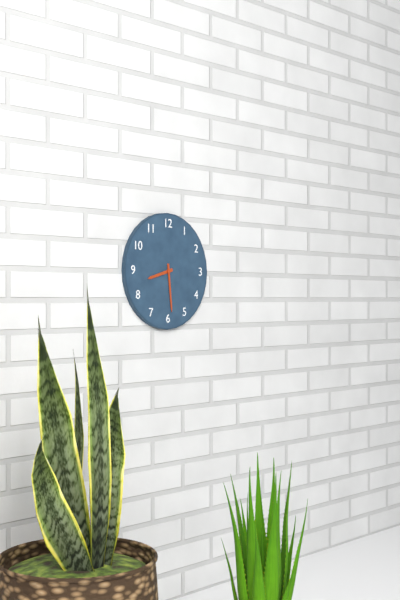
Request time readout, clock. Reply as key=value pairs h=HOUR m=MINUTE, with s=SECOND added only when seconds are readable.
h=8 m=29
